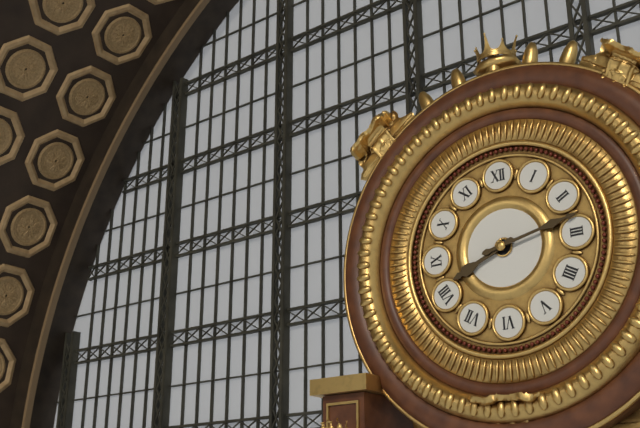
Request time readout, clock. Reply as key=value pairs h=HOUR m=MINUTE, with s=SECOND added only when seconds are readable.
h=8 m=13
